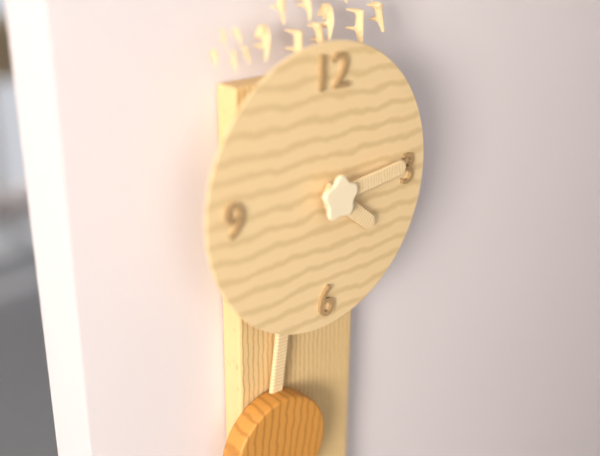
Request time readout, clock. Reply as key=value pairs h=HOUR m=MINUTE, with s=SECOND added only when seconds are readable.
h=4 m=14
